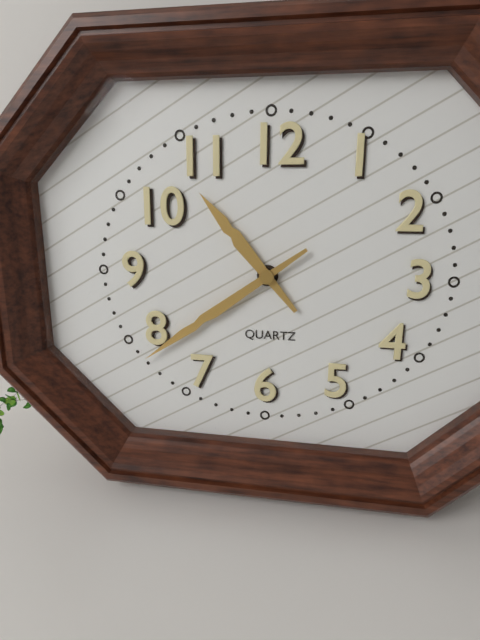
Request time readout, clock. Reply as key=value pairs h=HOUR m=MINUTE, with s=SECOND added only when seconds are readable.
h=10 m=39
